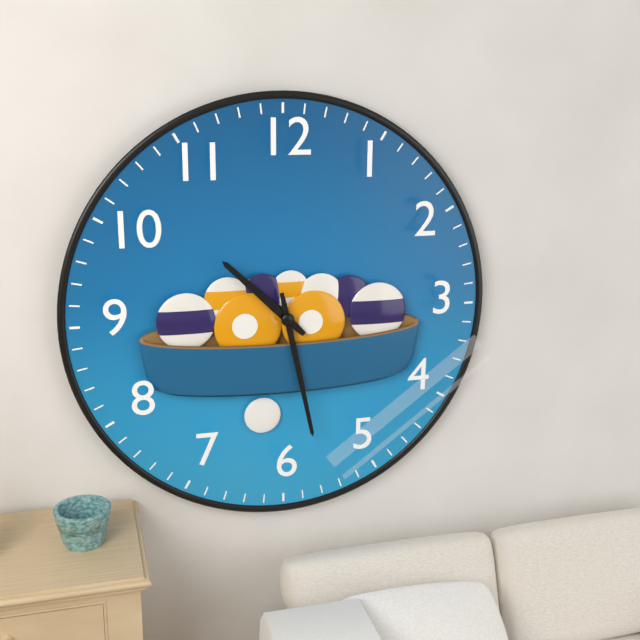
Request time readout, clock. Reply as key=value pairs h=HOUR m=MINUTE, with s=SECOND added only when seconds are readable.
h=10 m=28
